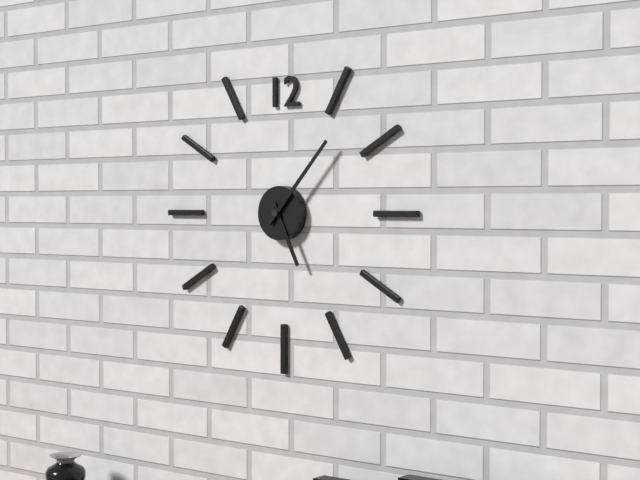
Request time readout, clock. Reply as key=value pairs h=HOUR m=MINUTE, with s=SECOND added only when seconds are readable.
h=5 m=7
